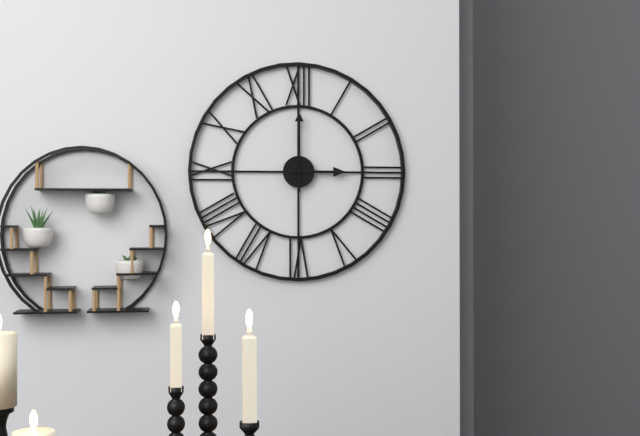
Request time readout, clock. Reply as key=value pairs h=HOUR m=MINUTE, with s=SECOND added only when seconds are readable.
h=3 m=0
